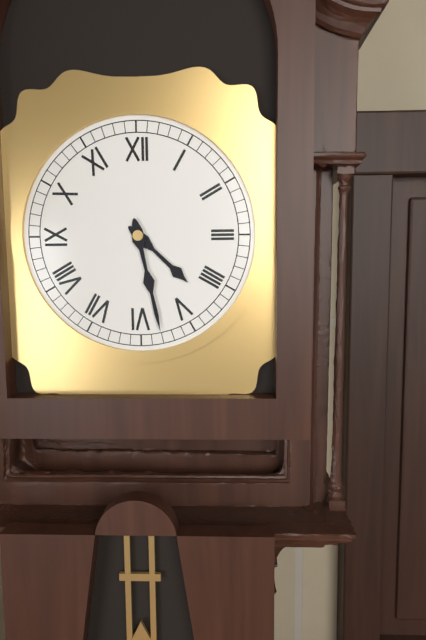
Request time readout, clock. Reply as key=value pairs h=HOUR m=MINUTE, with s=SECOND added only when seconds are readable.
h=4 m=28
